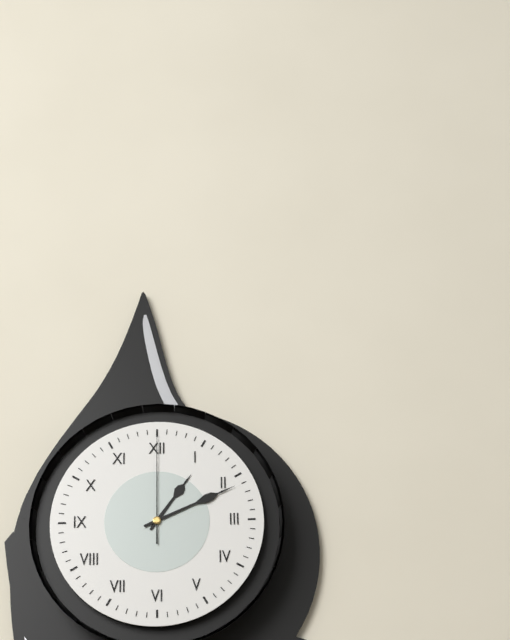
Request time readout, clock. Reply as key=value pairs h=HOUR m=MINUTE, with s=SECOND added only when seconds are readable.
h=1 m=11 s=0
